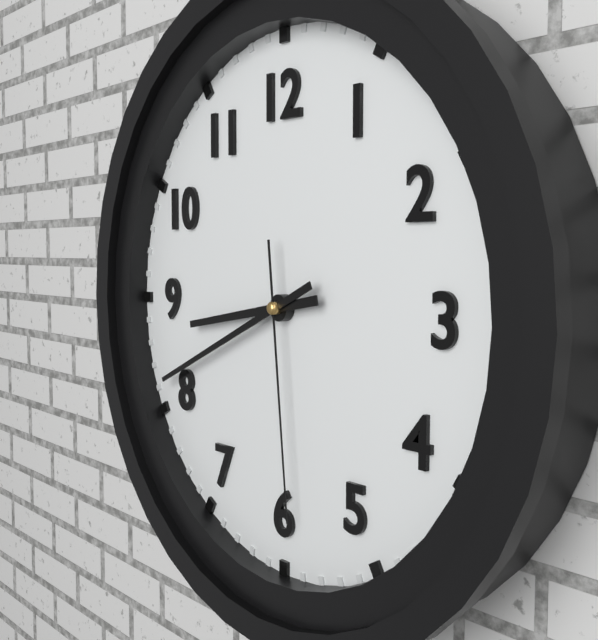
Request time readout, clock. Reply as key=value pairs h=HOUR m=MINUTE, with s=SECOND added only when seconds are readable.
h=8 m=41 s=29
